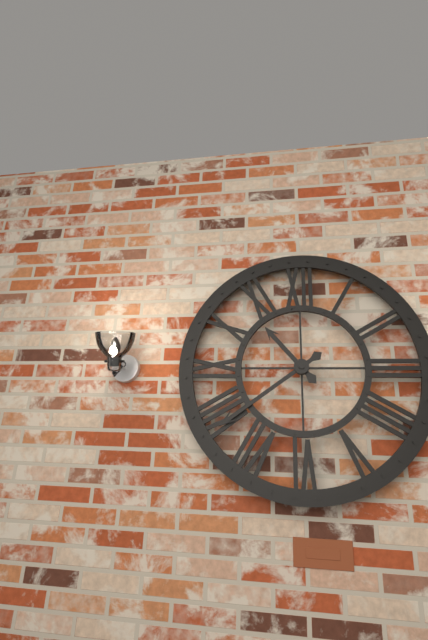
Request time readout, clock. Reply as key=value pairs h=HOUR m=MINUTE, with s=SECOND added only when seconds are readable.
h=10 m=39
